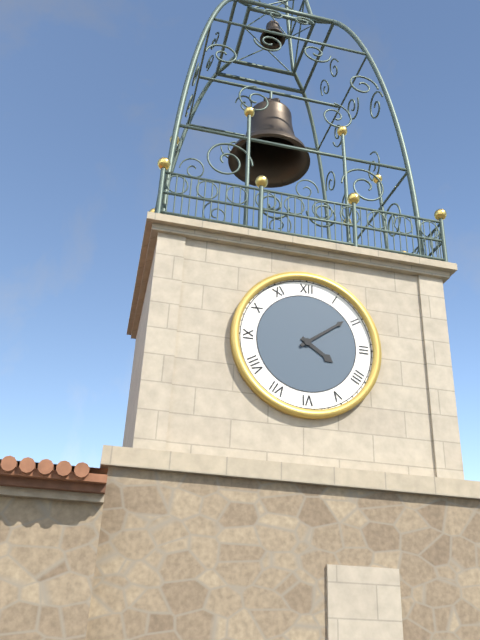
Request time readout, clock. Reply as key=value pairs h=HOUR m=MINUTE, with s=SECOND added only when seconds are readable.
h=4 m=9
